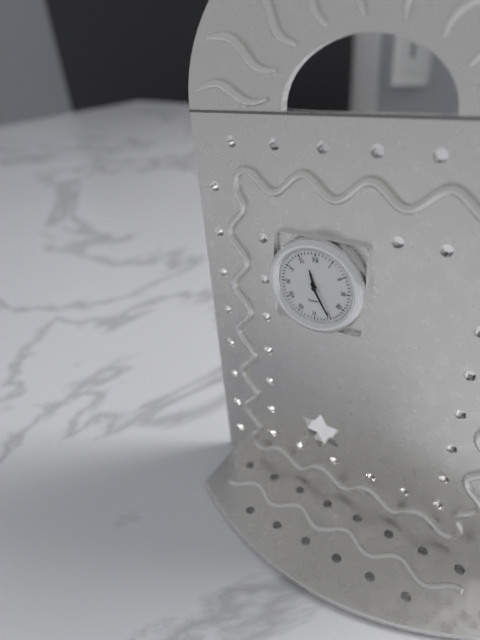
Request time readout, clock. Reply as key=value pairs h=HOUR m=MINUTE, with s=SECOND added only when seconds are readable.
h=11 m=25
